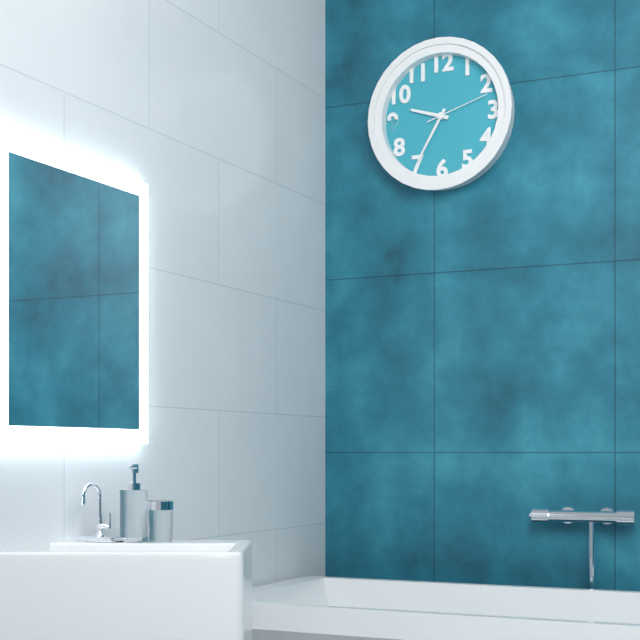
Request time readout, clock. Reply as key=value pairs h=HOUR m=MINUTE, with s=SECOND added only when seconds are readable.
h=9 m=35 s=12
